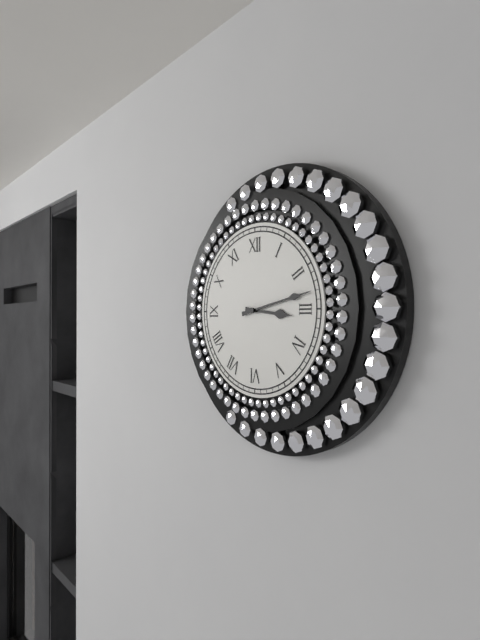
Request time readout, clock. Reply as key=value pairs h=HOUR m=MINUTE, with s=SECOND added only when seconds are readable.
h=3 m=13
